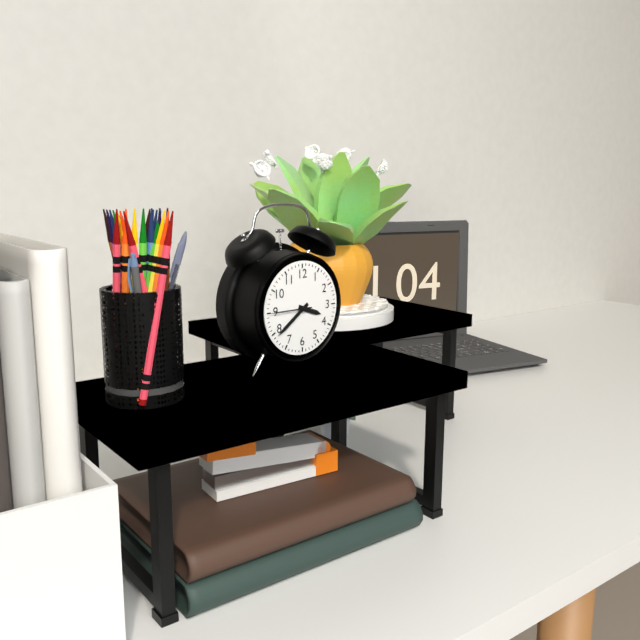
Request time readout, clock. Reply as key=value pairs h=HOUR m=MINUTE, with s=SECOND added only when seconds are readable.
h=3 m=39
